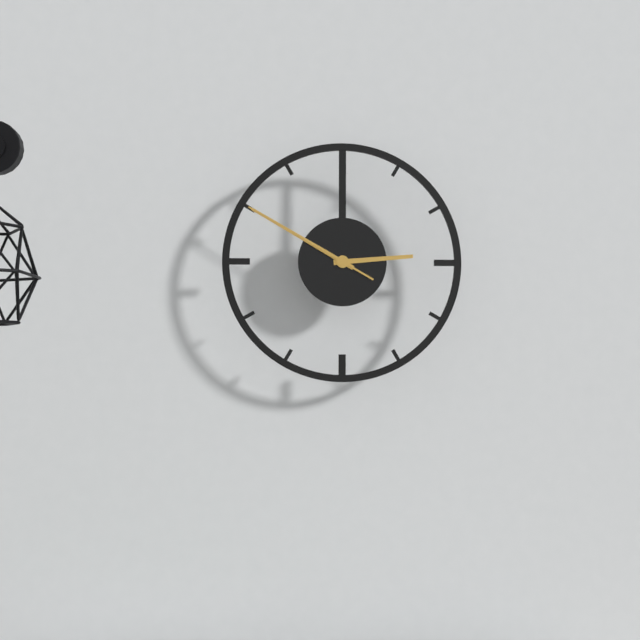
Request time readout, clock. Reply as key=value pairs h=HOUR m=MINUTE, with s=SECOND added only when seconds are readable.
h=2 m=50 s=50
